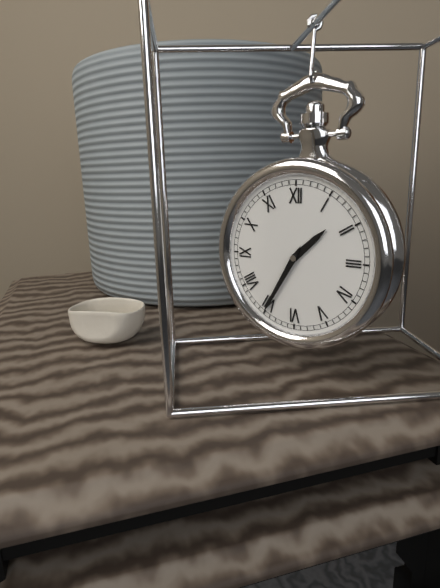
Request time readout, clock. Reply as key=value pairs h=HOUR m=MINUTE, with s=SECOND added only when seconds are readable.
h=1 m=35
